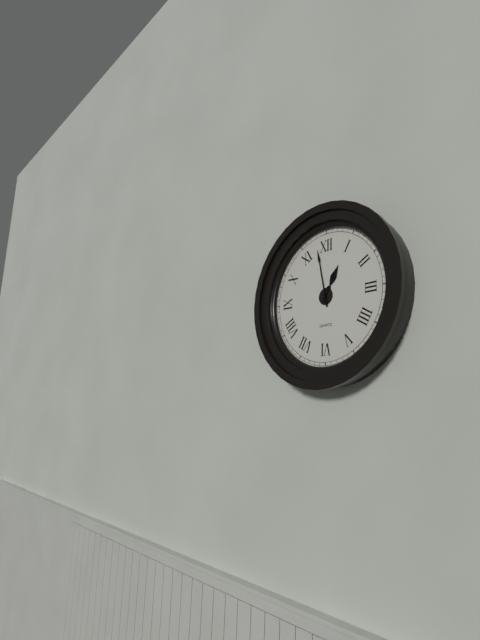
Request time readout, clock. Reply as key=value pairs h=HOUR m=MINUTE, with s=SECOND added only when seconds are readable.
h=12 m=58
